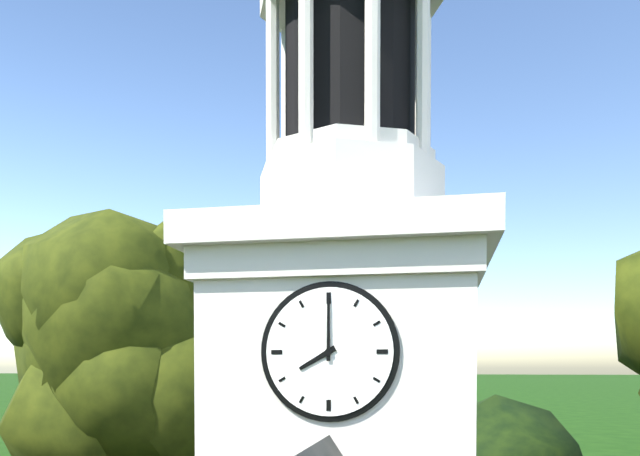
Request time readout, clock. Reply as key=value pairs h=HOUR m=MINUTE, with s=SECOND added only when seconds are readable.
h=8 m=0
